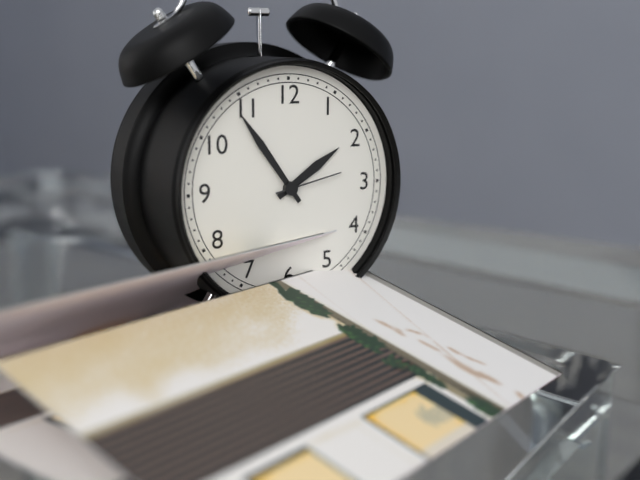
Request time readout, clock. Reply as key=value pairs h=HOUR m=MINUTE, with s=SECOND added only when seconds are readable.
h=1 m=54 s=13
